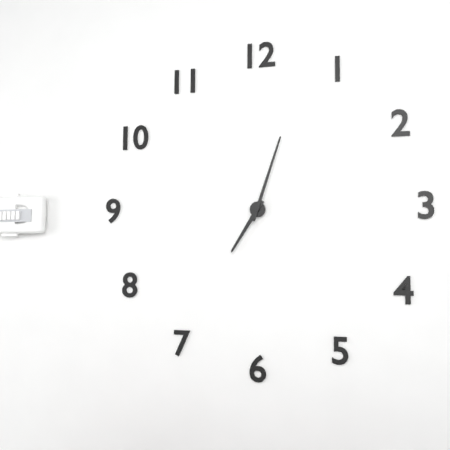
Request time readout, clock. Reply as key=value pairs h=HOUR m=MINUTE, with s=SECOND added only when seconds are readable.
h=7 m=3
